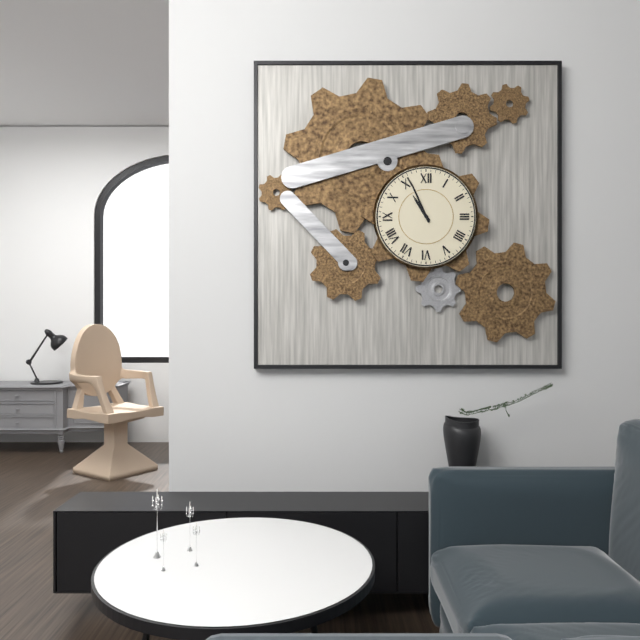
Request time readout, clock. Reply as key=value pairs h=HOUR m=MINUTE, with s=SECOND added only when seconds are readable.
h=10 m=56
